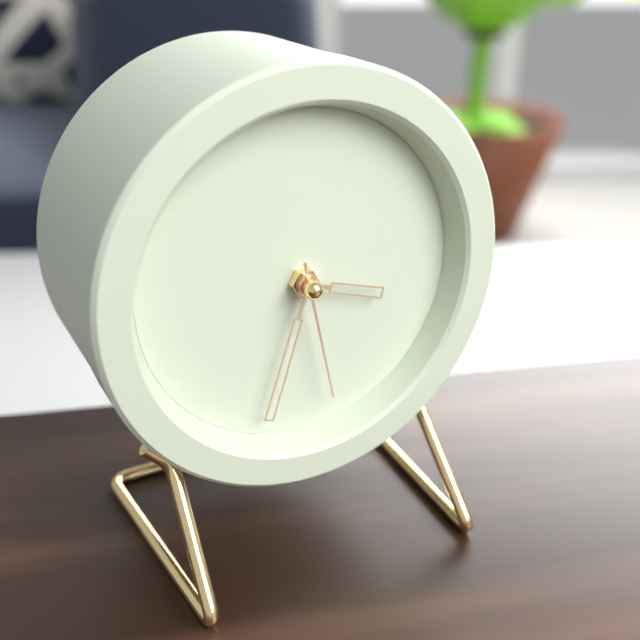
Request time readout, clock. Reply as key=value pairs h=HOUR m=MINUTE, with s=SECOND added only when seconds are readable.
h=3 m=33 s=28
